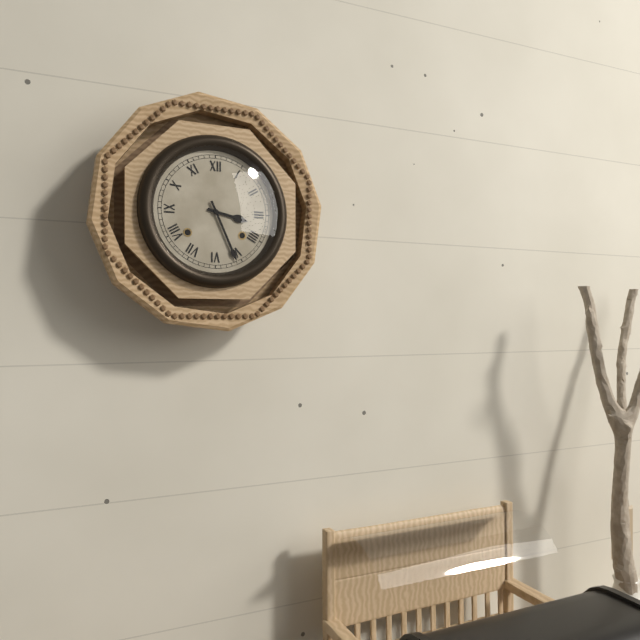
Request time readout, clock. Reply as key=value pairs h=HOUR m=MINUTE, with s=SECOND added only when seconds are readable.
h=3 m=26
